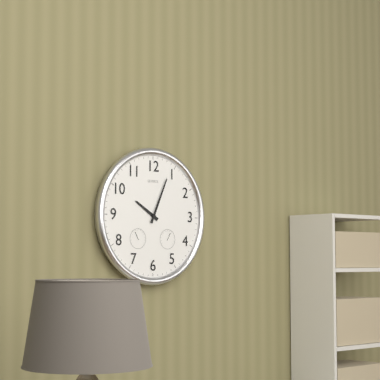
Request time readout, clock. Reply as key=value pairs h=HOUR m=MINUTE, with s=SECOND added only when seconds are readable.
h=10 m=4
